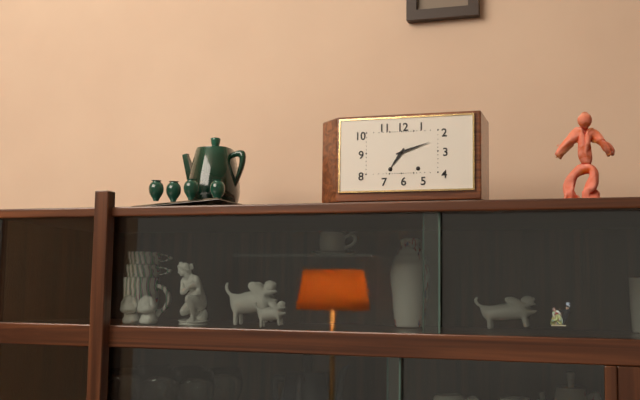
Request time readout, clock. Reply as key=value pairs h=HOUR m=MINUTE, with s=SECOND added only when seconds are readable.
h=7 m=12
